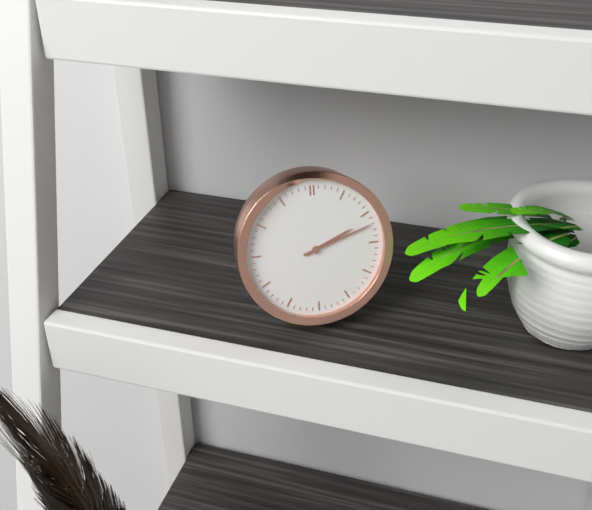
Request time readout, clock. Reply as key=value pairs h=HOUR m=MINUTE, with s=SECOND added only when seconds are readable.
h=2 m=12
